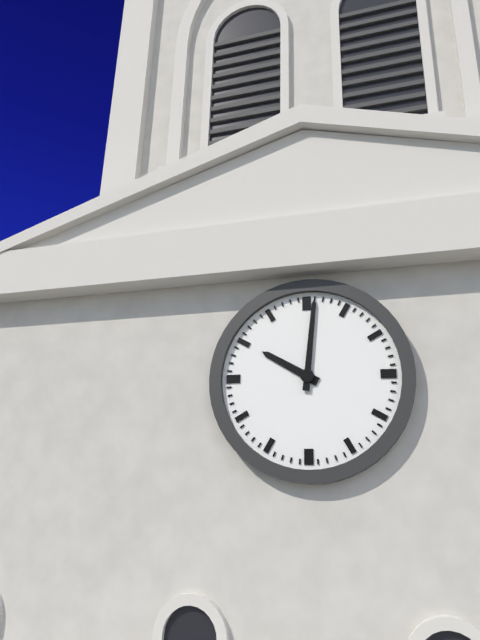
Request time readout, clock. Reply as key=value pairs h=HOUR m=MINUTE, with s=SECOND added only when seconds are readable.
h=10 m=1
